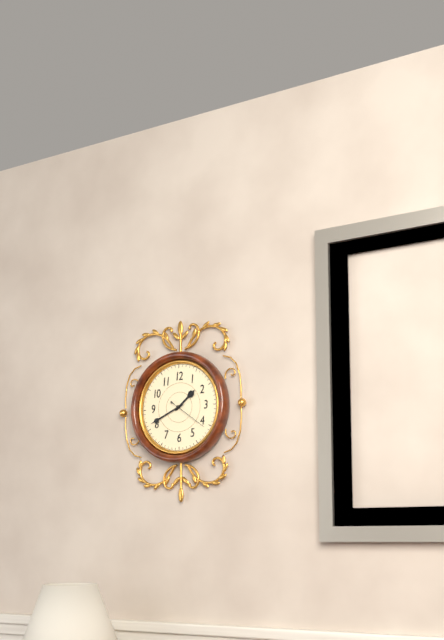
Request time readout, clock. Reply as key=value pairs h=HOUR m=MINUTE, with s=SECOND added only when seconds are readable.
h=1 m=41
